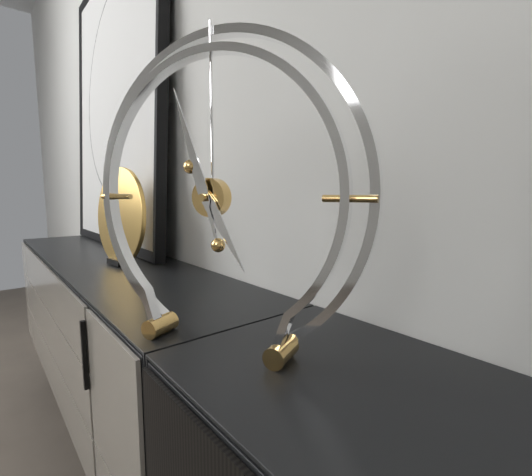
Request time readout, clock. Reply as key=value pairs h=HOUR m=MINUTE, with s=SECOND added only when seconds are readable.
h=4 m=57
